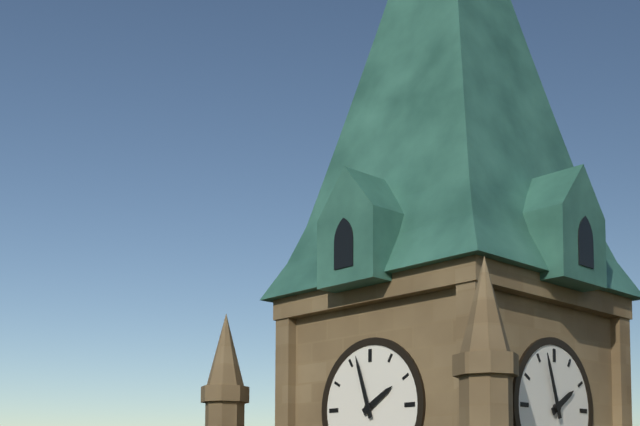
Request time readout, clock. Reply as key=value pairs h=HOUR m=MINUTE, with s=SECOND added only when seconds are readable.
h=1 m=57
